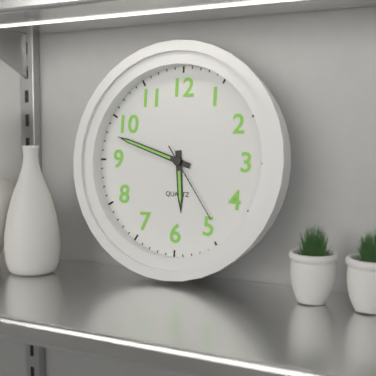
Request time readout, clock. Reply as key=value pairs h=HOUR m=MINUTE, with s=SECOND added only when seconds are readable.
h=5 m=48 s=24
